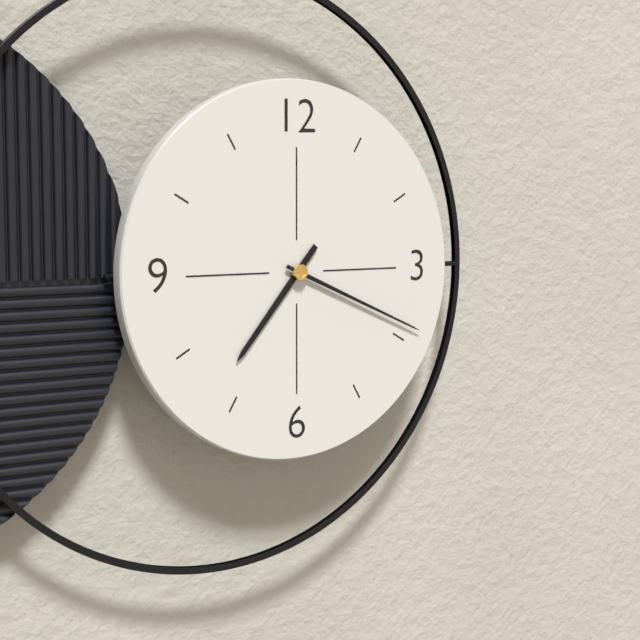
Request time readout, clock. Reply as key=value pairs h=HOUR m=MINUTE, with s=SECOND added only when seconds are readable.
h=7 m=19
